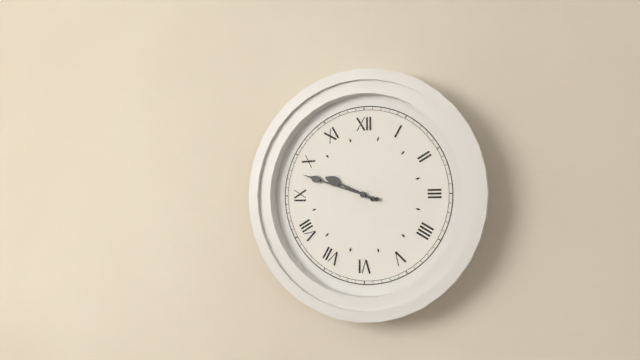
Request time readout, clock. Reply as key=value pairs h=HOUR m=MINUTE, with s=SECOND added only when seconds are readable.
h=9 m=48
